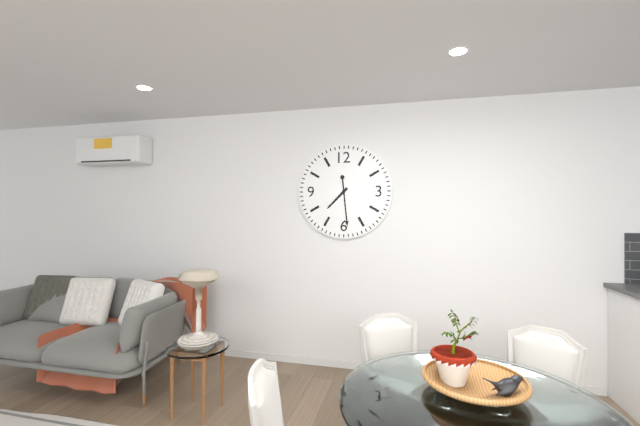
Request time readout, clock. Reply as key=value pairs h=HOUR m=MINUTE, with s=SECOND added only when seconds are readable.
h=7 m=29
